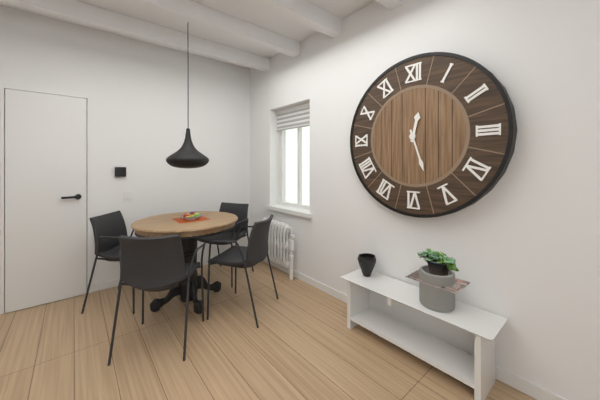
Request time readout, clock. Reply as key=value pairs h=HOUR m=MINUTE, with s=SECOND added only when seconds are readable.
h=12 m=27
